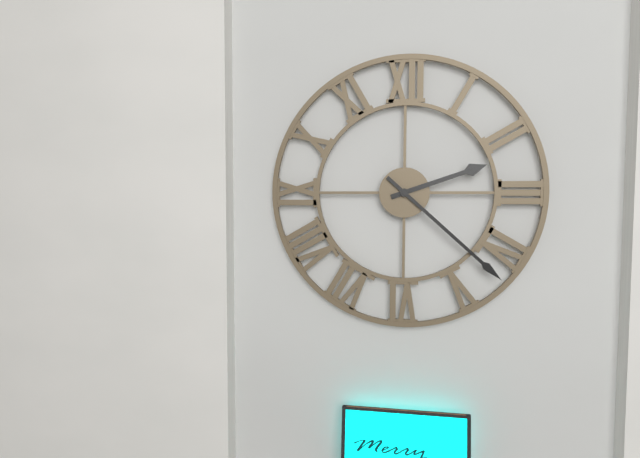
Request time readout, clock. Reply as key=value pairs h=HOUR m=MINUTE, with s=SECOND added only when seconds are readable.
h=2 m=22
